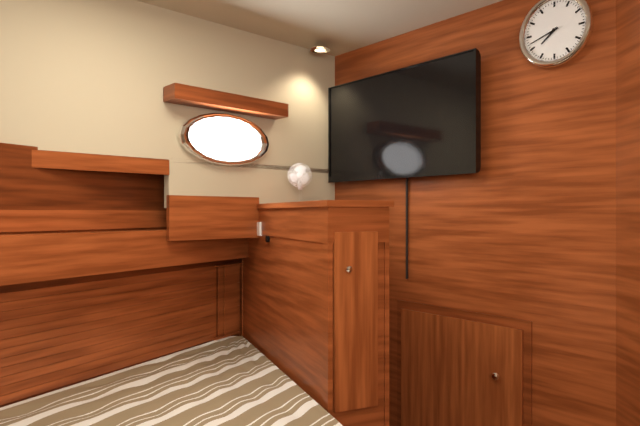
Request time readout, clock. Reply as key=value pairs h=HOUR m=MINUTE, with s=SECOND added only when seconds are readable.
h=7 m=42
